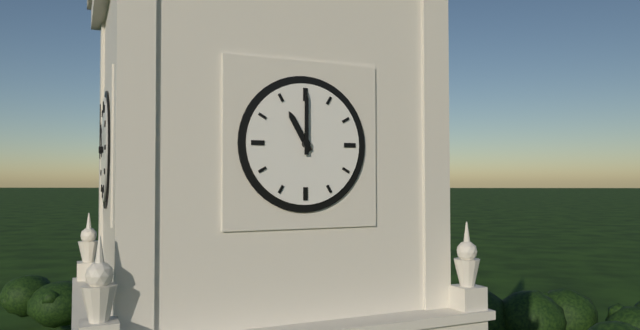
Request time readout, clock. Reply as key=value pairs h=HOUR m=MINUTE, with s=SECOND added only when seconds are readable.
h=11 m=0
